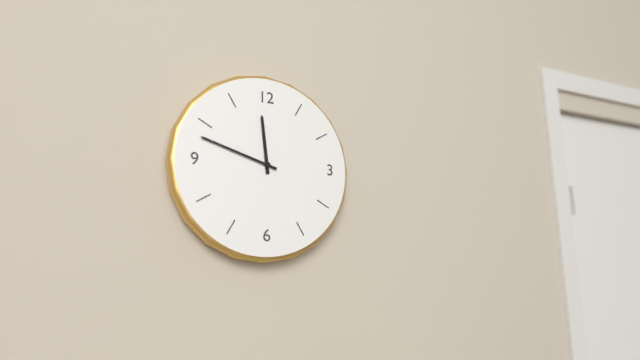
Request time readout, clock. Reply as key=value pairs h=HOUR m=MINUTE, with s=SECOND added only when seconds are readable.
h=11 m=48
